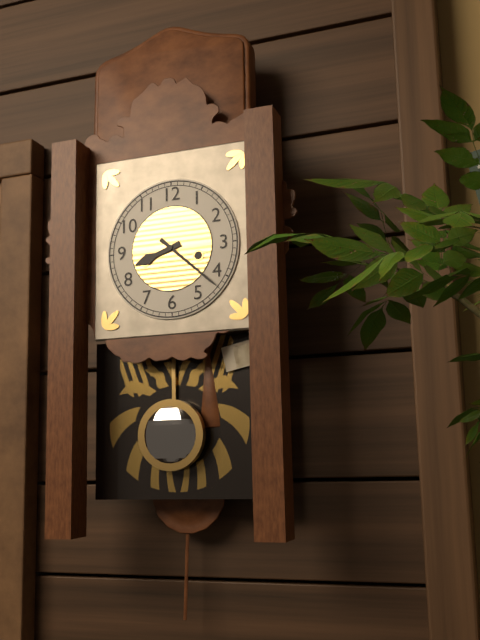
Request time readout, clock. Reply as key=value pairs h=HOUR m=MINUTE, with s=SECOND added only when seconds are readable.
h=8 m=22
